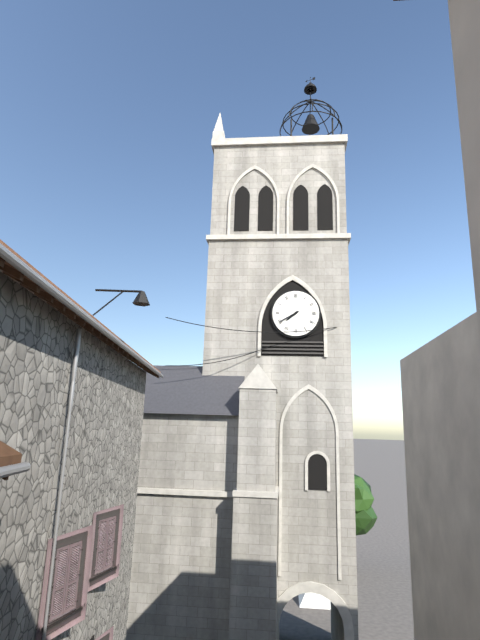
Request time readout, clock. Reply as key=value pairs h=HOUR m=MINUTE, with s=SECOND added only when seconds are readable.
h=7 m=40
